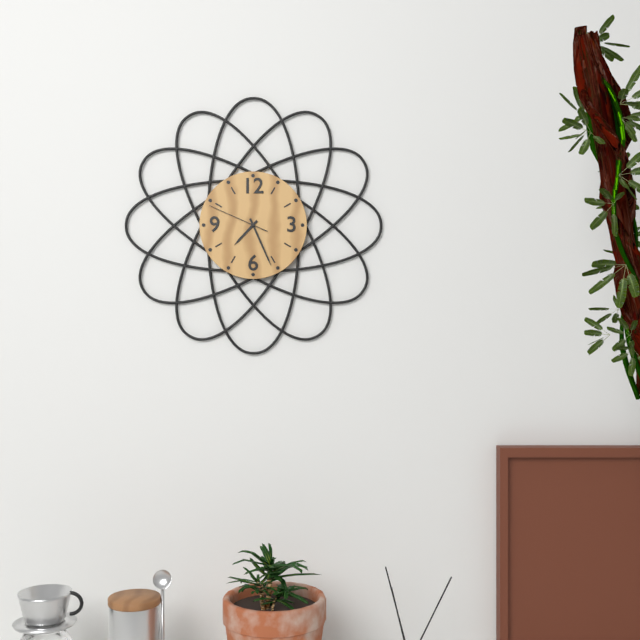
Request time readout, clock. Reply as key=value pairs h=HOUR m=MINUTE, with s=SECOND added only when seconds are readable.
h=7 m=26 s=49
